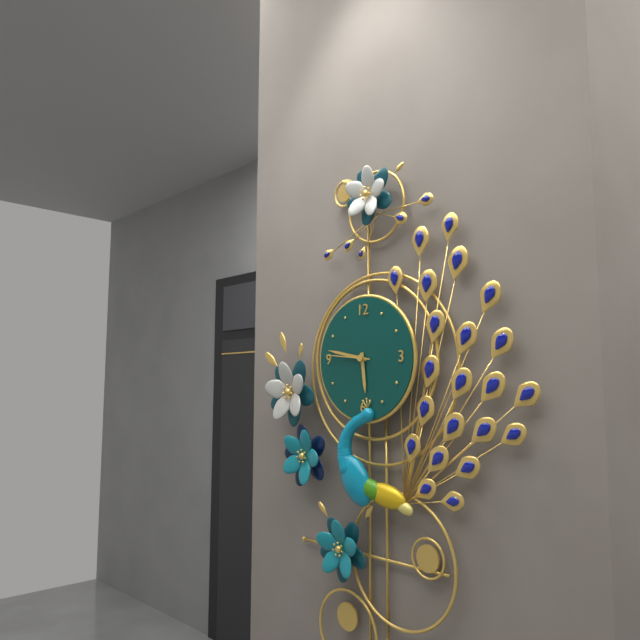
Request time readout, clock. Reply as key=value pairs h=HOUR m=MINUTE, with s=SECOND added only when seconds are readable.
h=5 m=47
